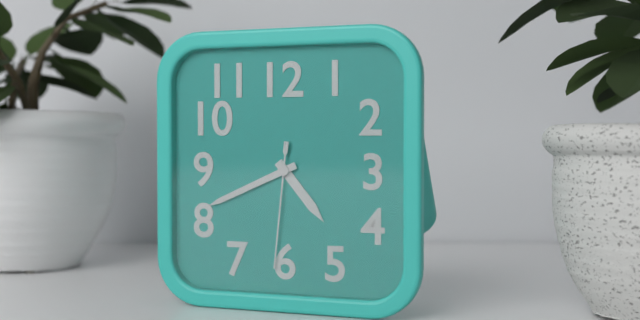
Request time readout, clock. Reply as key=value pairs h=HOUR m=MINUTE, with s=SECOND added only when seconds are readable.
h=4 m=41 s=31
